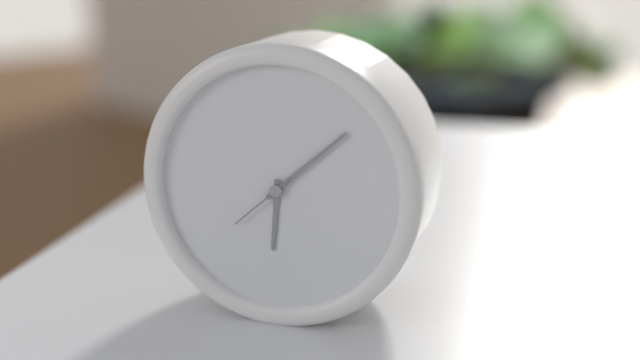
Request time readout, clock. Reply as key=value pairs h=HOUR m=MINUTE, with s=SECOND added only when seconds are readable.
h=6 m=8 s=38
